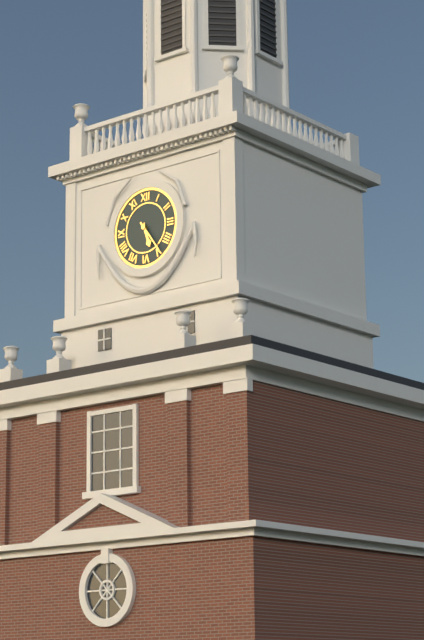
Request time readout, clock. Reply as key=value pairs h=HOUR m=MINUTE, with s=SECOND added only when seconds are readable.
h=5 m=24
